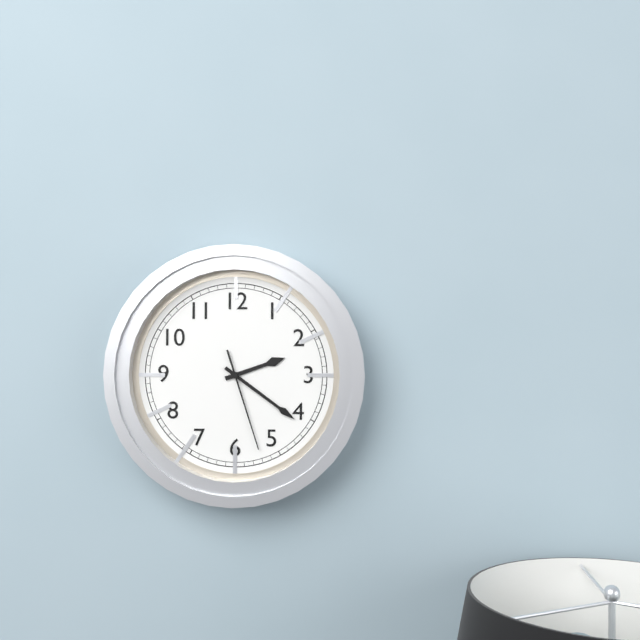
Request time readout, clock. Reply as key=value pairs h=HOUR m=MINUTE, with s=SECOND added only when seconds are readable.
h=2 m=21 s=27
